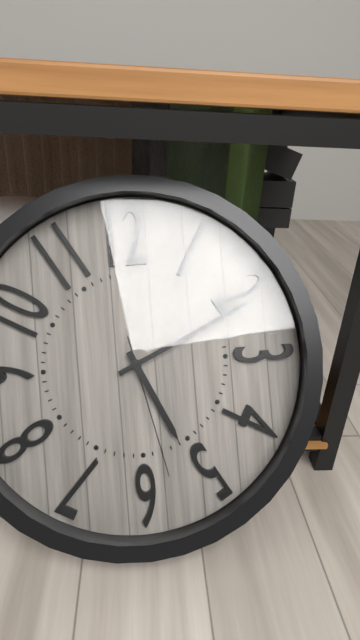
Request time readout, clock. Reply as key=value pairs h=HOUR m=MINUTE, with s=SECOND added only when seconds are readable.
h=5 m=11 s=28
